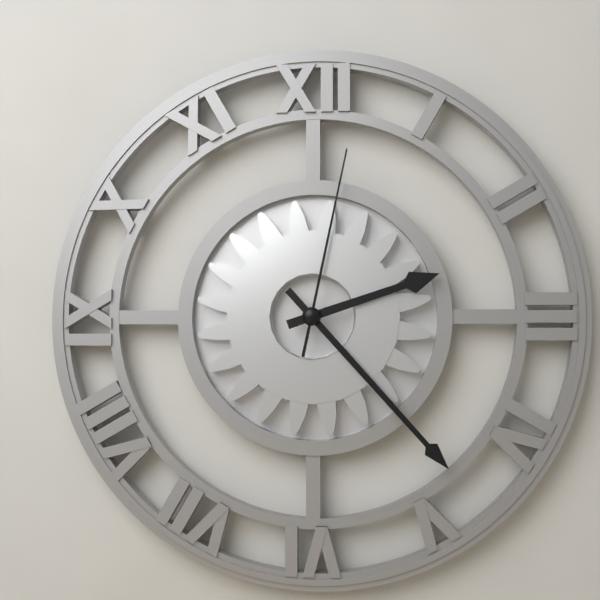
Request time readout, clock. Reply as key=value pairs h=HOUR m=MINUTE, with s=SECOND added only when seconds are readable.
h=2 m=23 s=2
